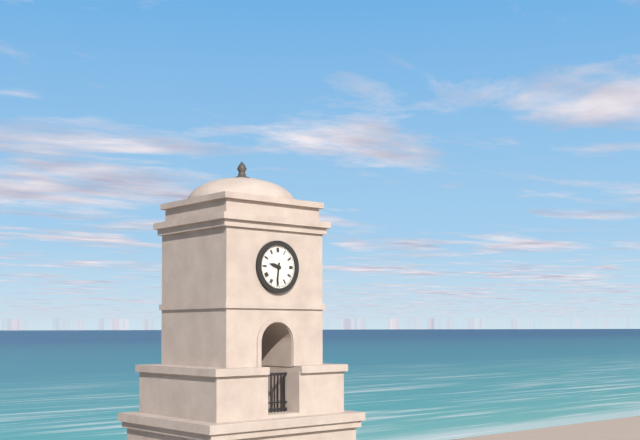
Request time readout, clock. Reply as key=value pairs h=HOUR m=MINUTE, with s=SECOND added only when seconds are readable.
h=9 m=31
